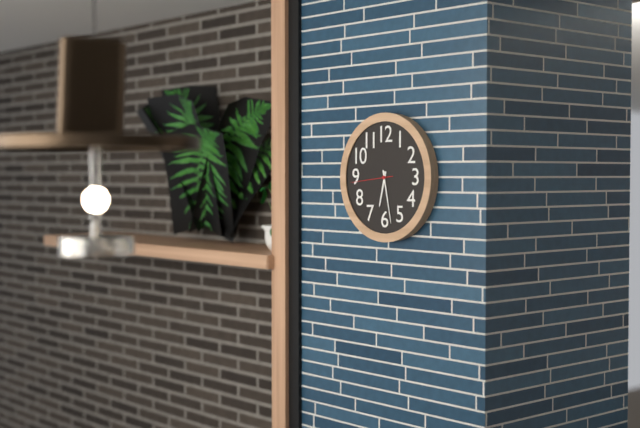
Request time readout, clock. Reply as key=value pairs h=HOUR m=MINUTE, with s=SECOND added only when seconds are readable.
h=6 m=28
